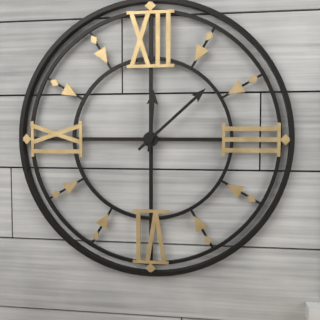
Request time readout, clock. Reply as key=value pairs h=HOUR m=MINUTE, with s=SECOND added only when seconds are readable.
h=12 m=8
